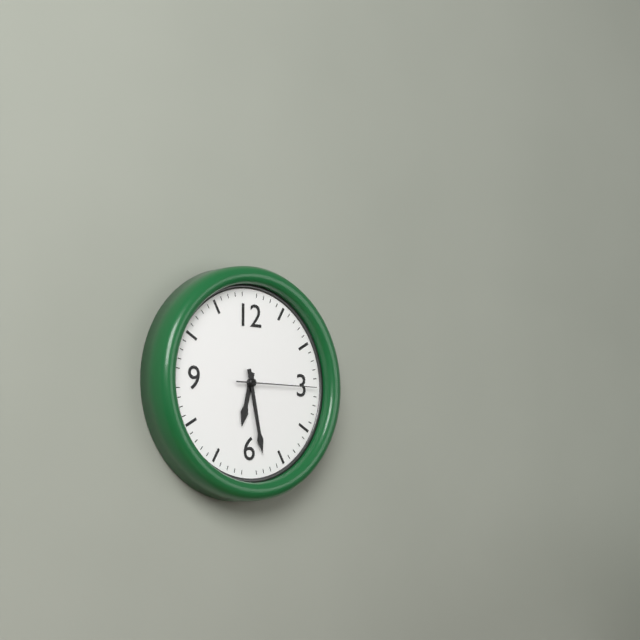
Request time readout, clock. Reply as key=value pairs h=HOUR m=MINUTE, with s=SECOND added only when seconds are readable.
h=6 m=28 s=15
